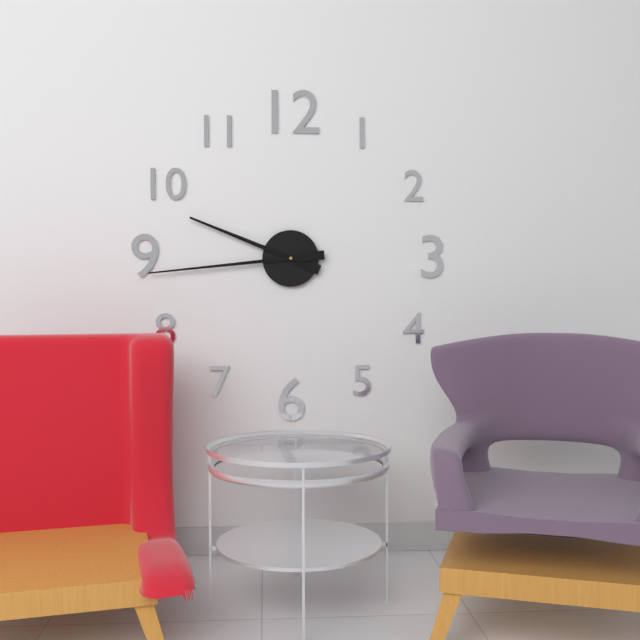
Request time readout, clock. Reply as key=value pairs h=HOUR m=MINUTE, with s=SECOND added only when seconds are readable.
h=9 m=44
